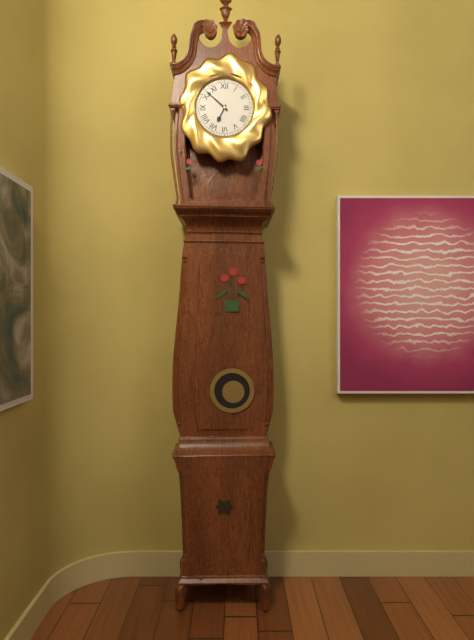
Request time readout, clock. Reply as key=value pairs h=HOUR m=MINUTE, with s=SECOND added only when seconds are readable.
h=6 m=52
